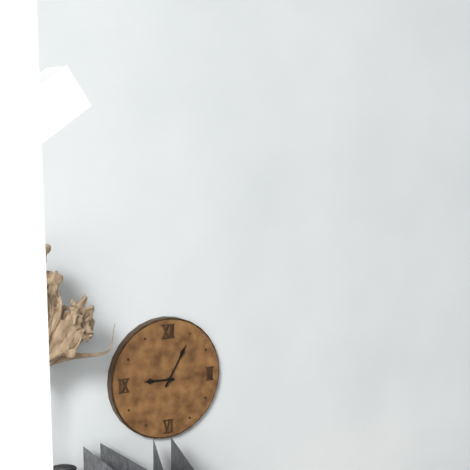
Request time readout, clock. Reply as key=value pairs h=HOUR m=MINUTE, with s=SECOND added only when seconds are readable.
h=9 m=5
